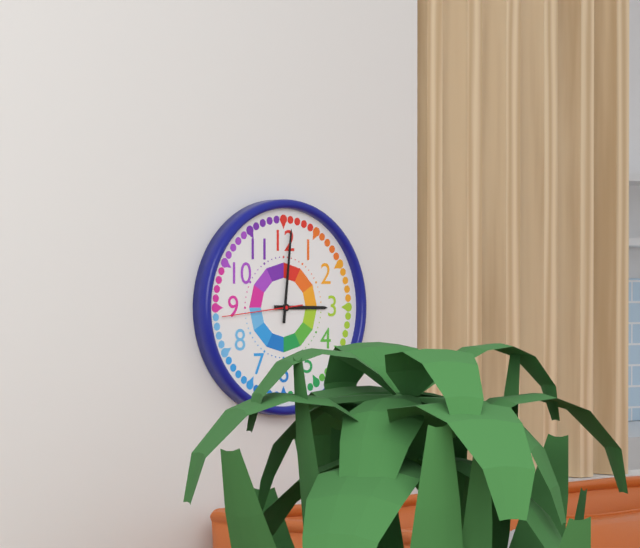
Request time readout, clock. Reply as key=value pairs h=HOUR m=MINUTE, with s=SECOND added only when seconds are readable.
h=3 m=1 s=44
